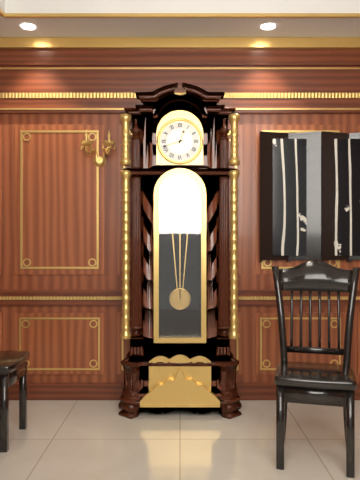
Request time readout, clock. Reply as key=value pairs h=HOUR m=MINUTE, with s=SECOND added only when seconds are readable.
h=12 m=42
